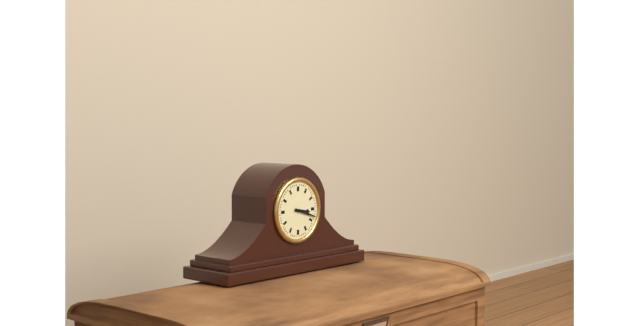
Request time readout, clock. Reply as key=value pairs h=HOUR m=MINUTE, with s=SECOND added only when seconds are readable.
h=3 m=18
